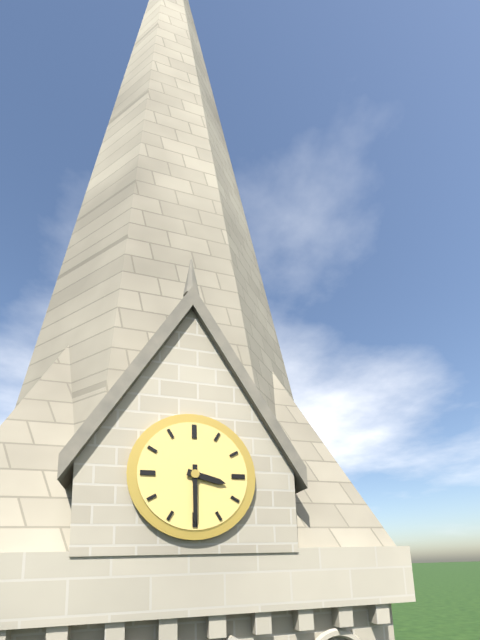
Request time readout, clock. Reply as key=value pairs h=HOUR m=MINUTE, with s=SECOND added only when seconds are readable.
h=3 m=30
